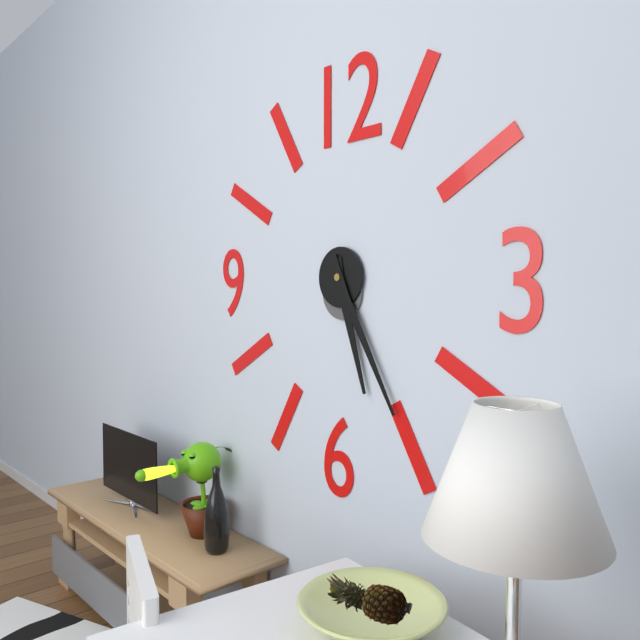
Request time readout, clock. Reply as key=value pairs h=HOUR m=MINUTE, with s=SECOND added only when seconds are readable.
h=5 m=25
